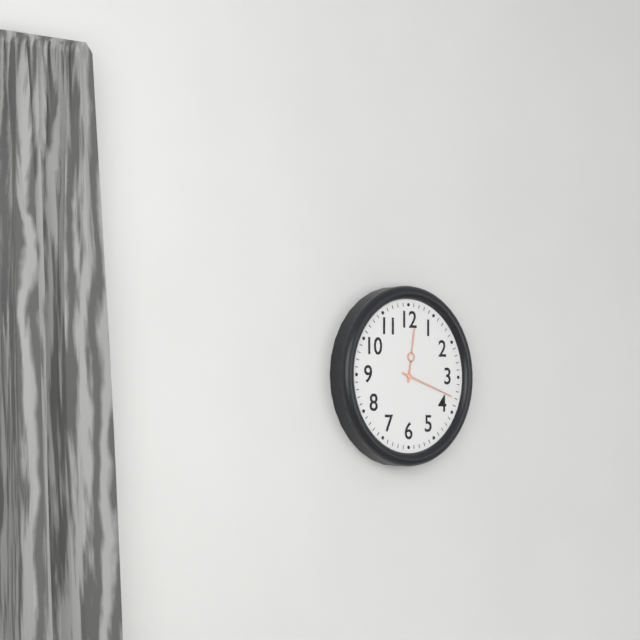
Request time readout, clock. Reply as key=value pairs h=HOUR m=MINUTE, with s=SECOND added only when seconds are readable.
h=12 m=18
